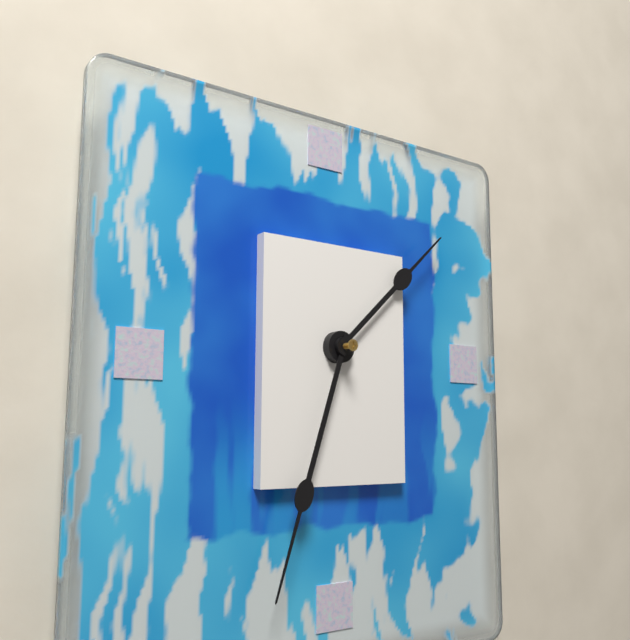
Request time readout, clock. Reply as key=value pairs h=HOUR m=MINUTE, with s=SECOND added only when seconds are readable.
h=1 m=33
